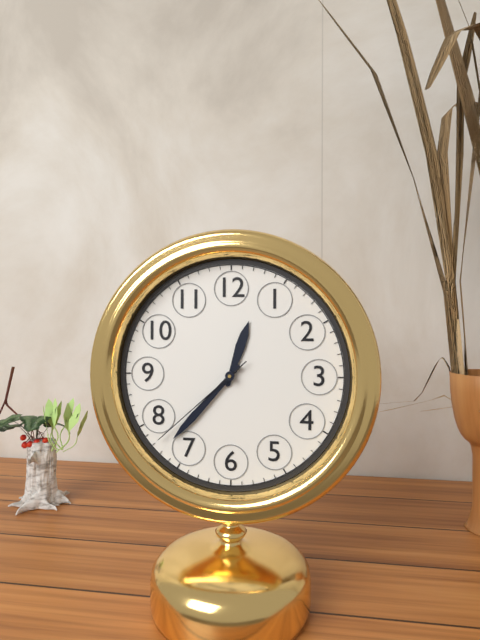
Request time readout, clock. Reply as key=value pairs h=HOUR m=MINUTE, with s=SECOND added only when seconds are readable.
h=12 m=37 s=38
